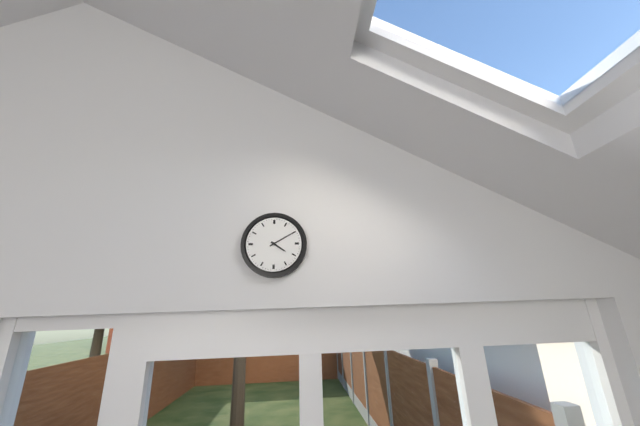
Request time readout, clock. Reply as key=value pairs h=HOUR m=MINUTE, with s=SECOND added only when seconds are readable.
h=4 m=10
